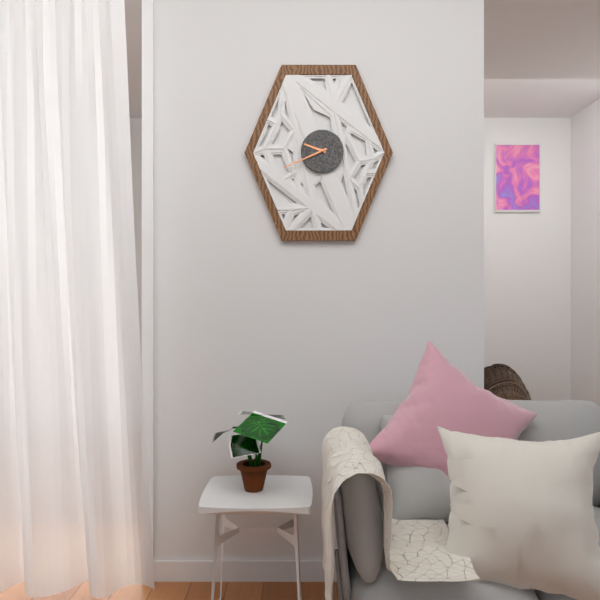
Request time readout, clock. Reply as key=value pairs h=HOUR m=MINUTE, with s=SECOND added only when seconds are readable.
h=9 m=41
